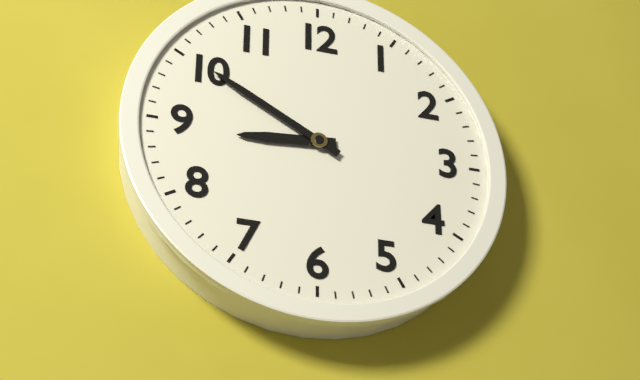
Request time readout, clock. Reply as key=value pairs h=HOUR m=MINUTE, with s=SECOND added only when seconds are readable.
h=8 m=50
